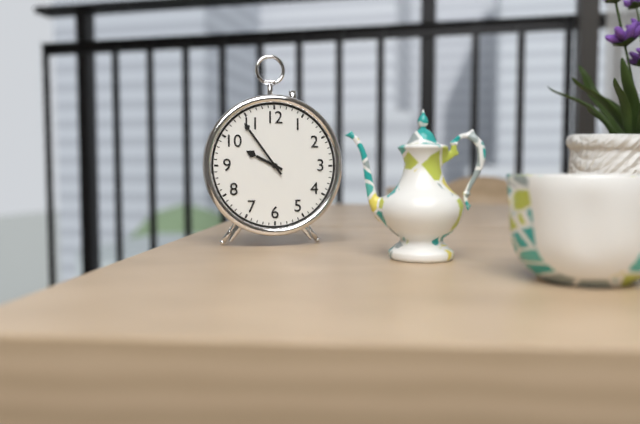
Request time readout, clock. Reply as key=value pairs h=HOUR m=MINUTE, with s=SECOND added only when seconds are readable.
h=9 m=54
